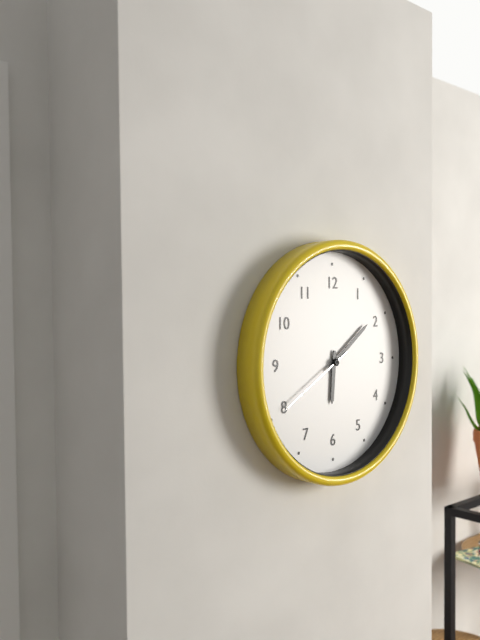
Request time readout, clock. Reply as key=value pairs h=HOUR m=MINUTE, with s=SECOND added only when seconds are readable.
h=6 m=9 s=40
